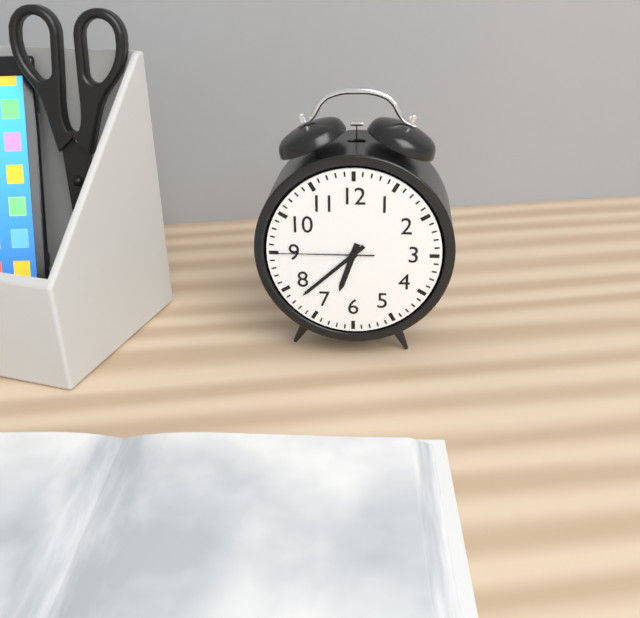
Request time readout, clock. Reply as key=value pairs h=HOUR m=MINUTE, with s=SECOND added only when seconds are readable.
h=6 m=38 s=45
